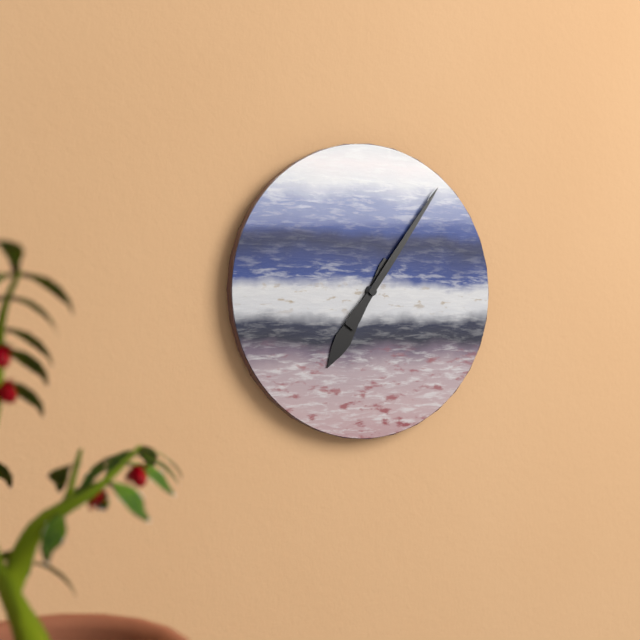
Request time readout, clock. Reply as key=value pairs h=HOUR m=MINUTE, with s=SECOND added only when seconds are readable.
h=7 m=6
